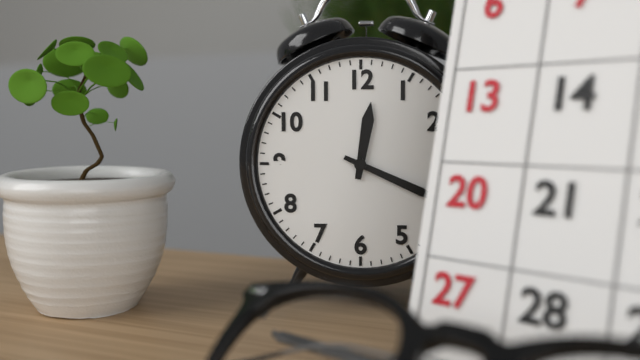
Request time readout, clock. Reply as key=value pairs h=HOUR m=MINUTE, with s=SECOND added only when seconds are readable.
h=12 m=19
